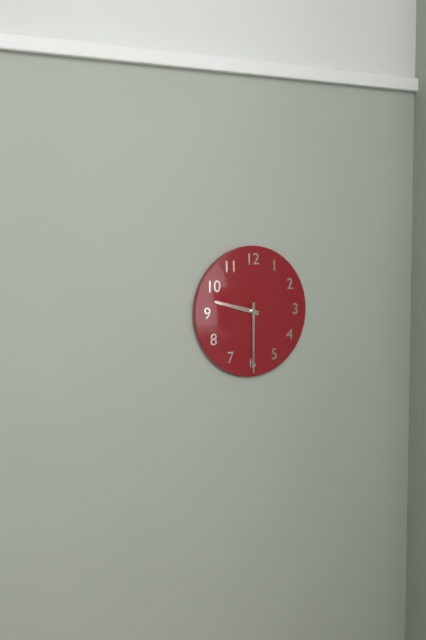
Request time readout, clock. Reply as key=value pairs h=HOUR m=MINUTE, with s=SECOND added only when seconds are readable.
h=9 m=30
